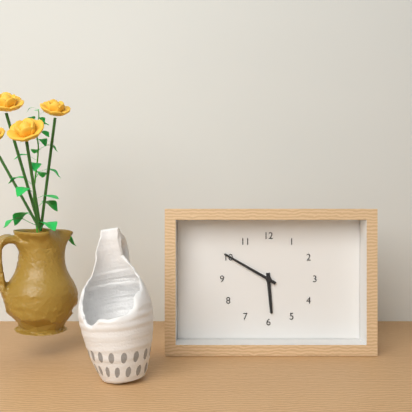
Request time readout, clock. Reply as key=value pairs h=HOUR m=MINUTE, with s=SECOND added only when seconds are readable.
h=5 m=50
